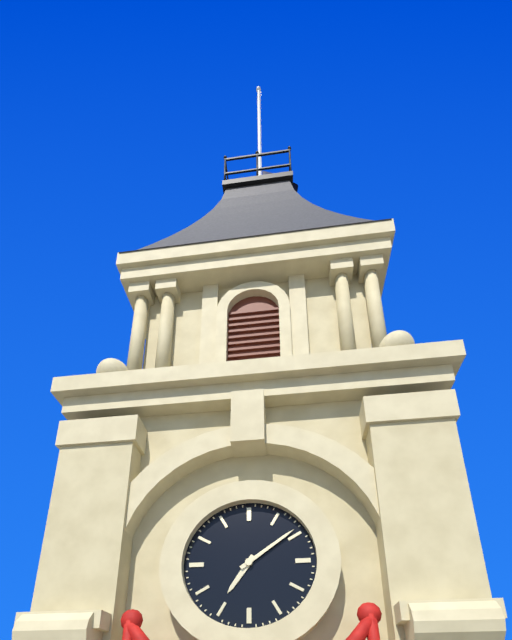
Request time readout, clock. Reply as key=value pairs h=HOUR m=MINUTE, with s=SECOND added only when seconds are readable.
h=7 m=9
